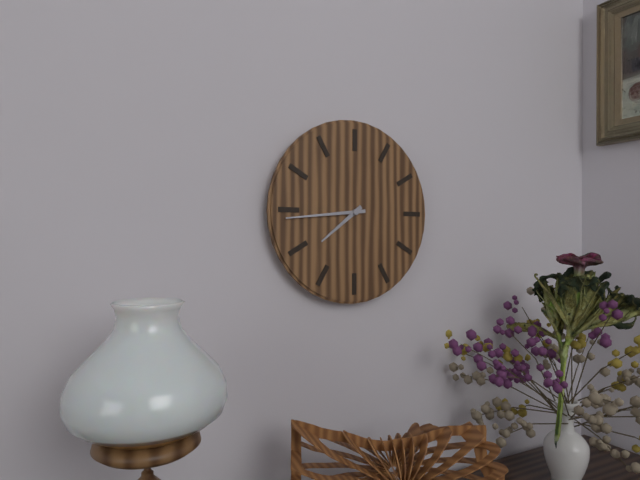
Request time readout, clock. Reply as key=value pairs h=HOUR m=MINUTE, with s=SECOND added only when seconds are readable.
h=7 m=44
